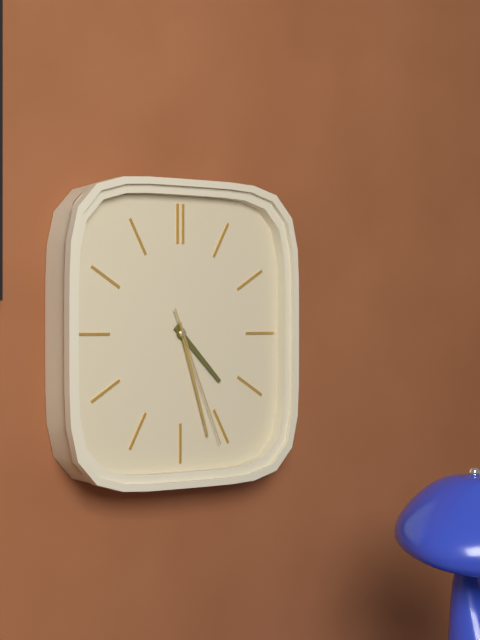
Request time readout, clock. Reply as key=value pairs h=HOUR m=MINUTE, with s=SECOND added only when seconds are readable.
h=4 m=27 s=26
